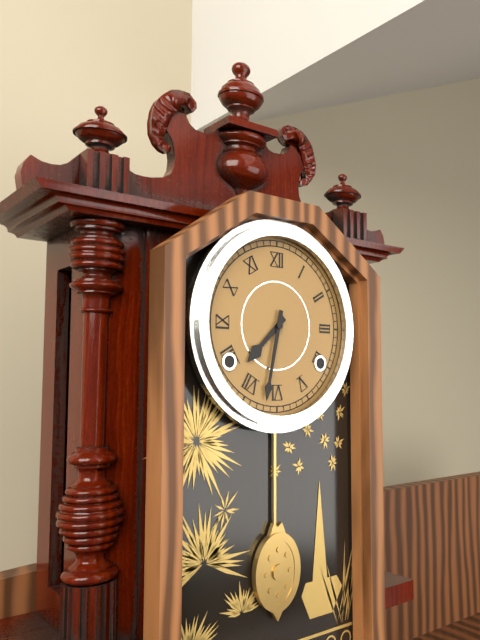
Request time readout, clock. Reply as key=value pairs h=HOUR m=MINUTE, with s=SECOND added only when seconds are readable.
h=7 m=32
